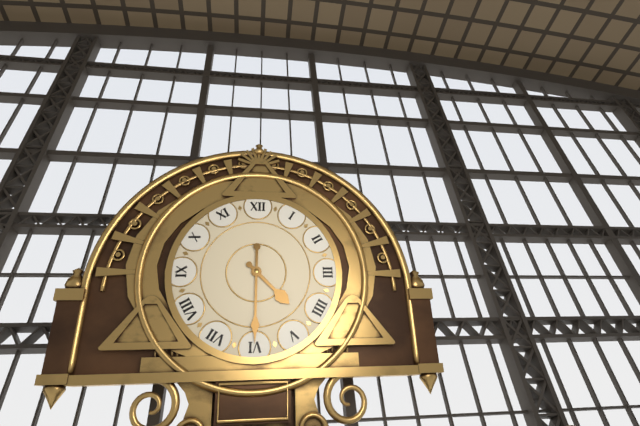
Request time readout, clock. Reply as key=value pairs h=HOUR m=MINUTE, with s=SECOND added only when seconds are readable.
h=4 m=30
